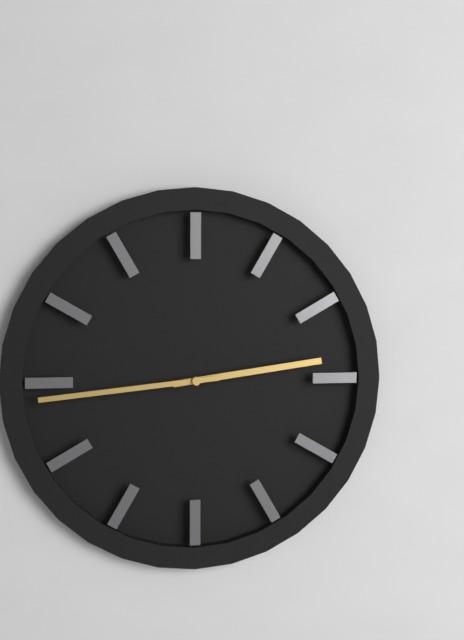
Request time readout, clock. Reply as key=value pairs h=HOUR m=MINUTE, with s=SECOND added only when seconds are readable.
h=2 m=44
